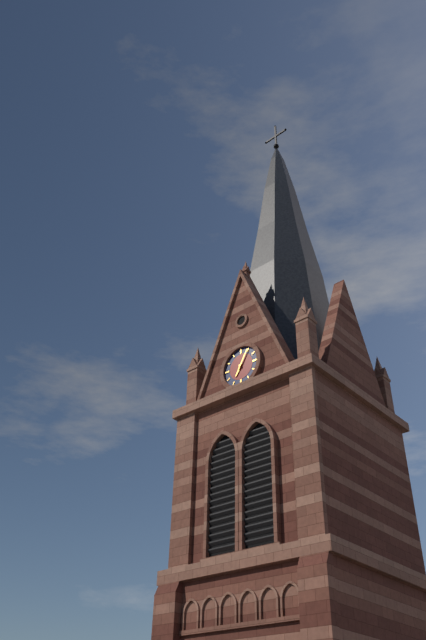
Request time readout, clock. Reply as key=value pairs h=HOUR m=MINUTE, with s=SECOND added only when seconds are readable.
h=7 m=5
